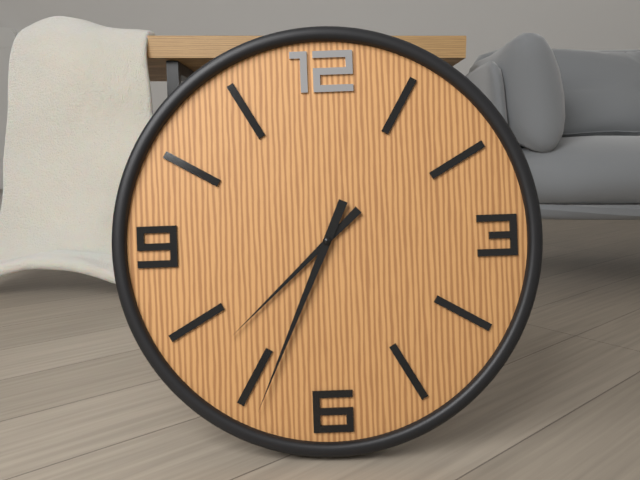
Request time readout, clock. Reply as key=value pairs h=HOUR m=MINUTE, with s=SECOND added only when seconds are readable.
h=7 m=34
